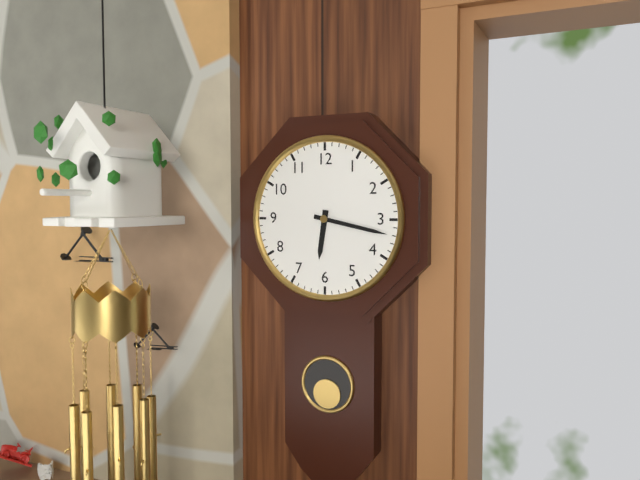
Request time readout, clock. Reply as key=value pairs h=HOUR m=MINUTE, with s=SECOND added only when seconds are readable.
h=6 m=17
